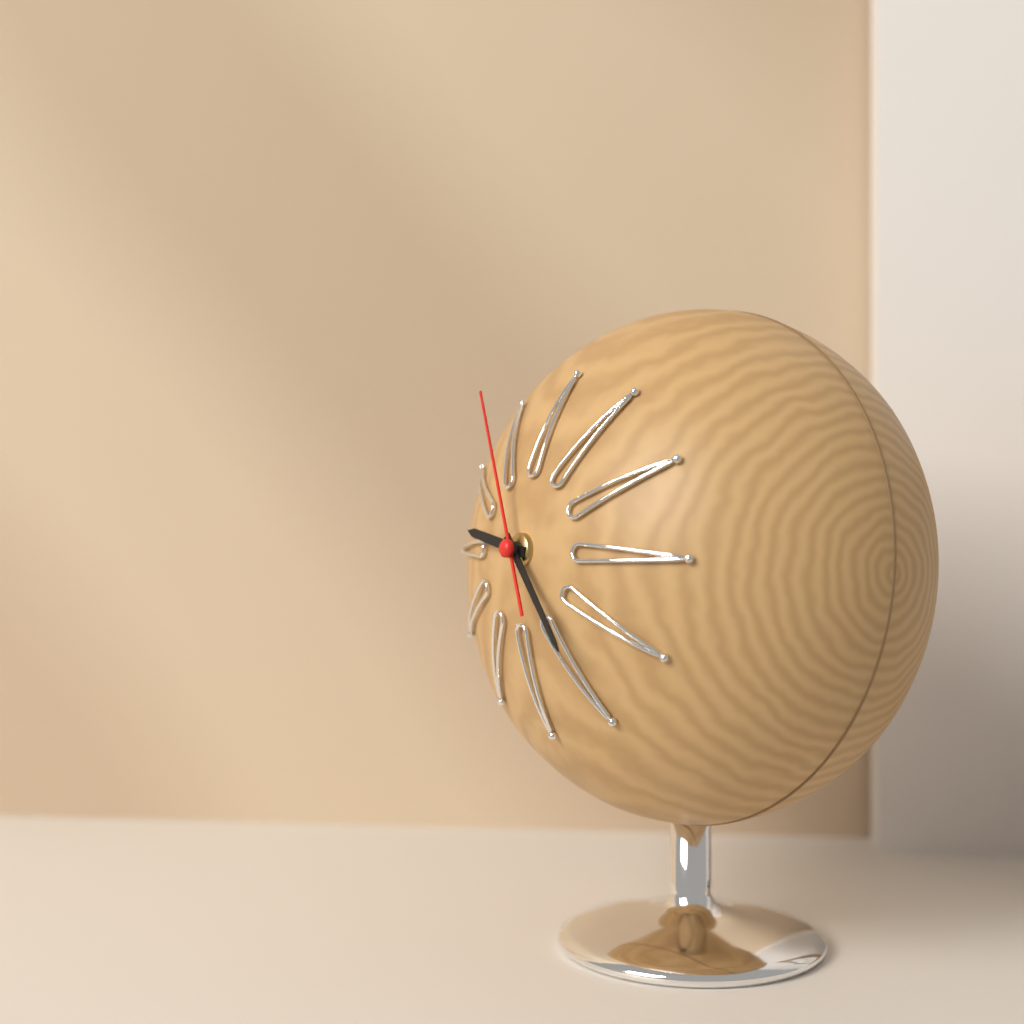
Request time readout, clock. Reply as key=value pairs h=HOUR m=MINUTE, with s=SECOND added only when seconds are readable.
h=9 m=23 s=56
